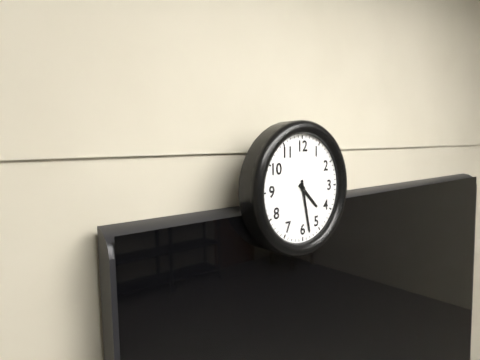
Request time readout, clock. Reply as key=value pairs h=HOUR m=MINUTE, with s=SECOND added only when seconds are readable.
h=4 m=28
